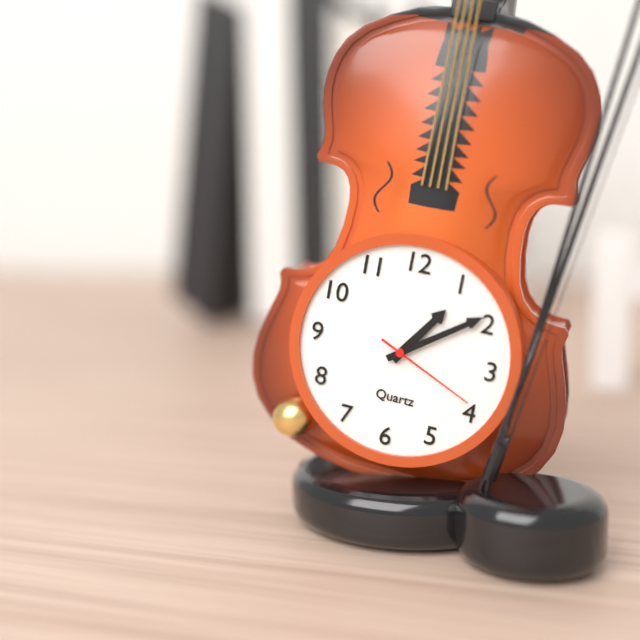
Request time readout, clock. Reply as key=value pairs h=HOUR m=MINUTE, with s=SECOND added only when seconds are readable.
h=1 m=9 s=19
